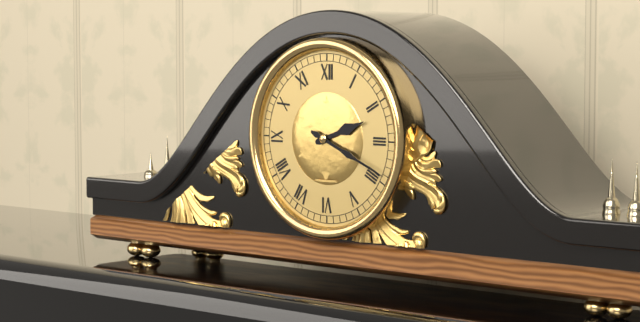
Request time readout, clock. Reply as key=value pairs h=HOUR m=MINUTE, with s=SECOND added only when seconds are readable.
h=2 m=19
